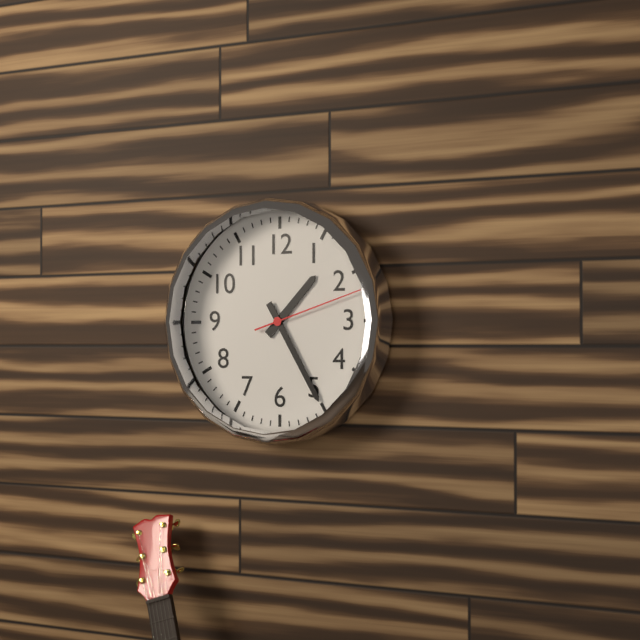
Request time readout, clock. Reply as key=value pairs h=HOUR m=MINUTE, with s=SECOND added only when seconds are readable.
h=1 m=25 s=12
